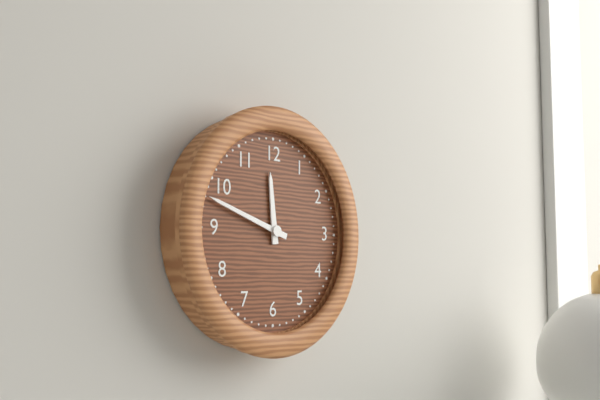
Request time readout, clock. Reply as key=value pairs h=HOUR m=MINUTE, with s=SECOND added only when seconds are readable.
h=11 m=48
